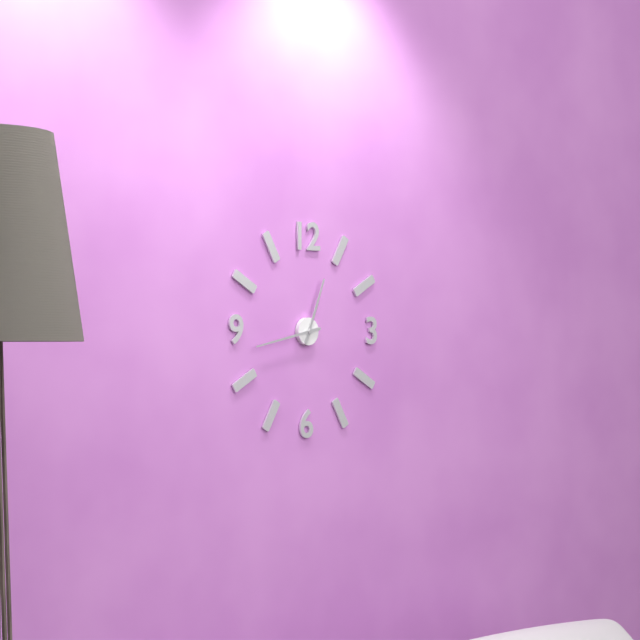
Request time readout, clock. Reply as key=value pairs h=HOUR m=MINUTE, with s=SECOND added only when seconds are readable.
h=12 m=43
